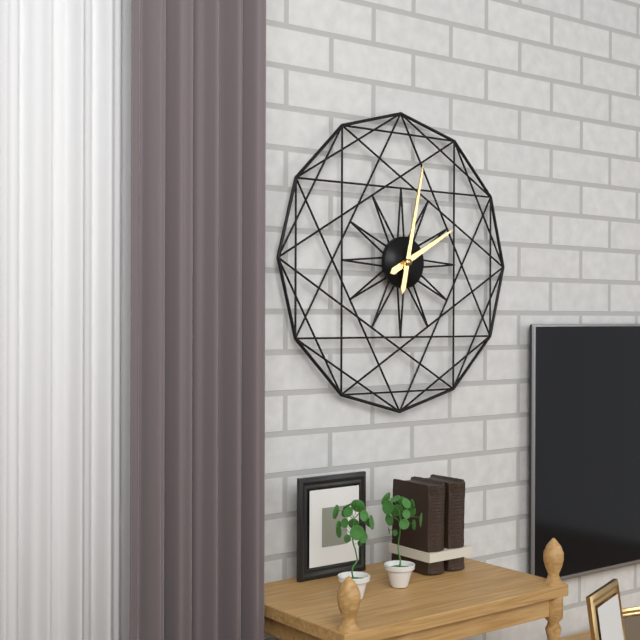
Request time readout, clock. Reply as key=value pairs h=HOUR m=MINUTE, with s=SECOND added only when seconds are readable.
h=2 m=2
